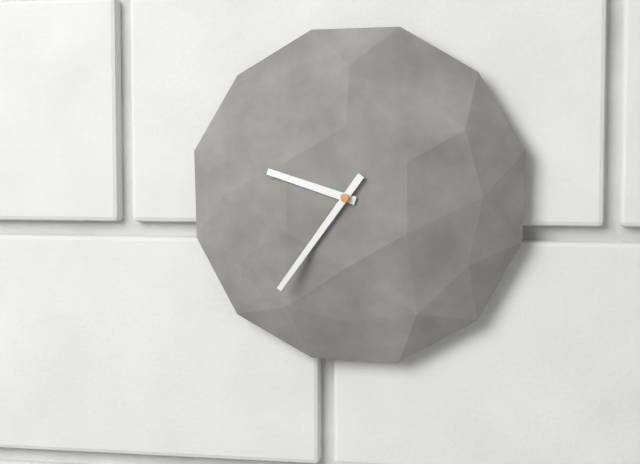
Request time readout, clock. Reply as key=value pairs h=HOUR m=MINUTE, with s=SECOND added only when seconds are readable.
h=9 m=36
